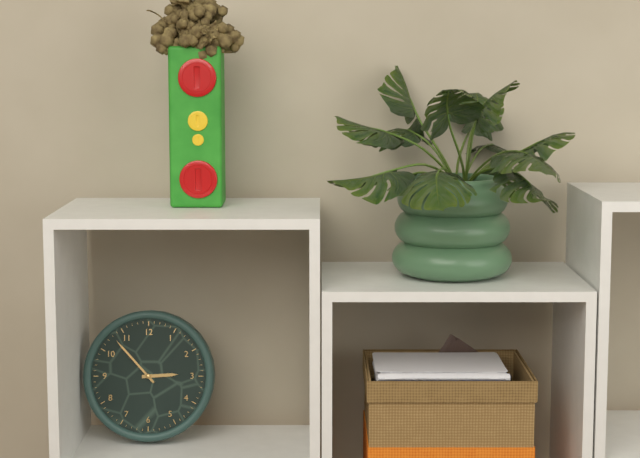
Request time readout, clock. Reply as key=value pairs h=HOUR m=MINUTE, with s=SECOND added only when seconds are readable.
h=2 m=53
